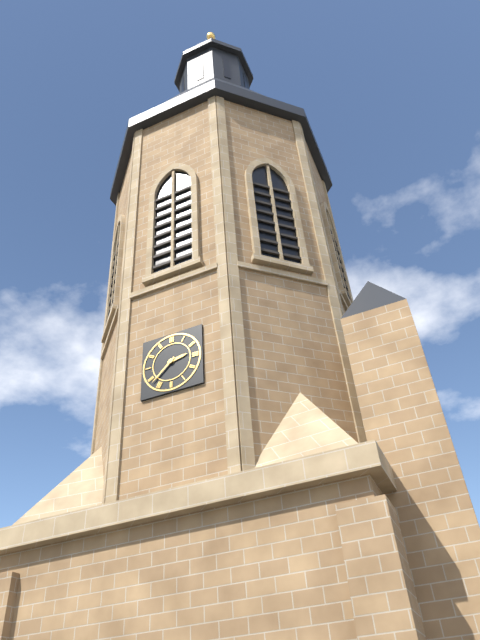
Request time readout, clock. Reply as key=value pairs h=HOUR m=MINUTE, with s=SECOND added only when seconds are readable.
h=2 m=38
